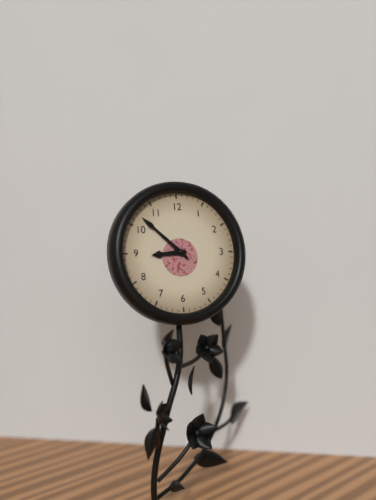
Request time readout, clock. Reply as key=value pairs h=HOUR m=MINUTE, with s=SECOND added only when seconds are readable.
h=8 m=52
